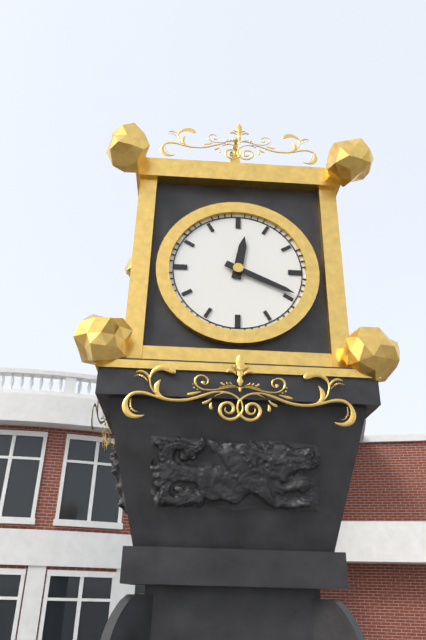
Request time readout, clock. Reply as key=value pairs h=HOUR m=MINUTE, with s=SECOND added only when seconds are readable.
h=12 m=19
